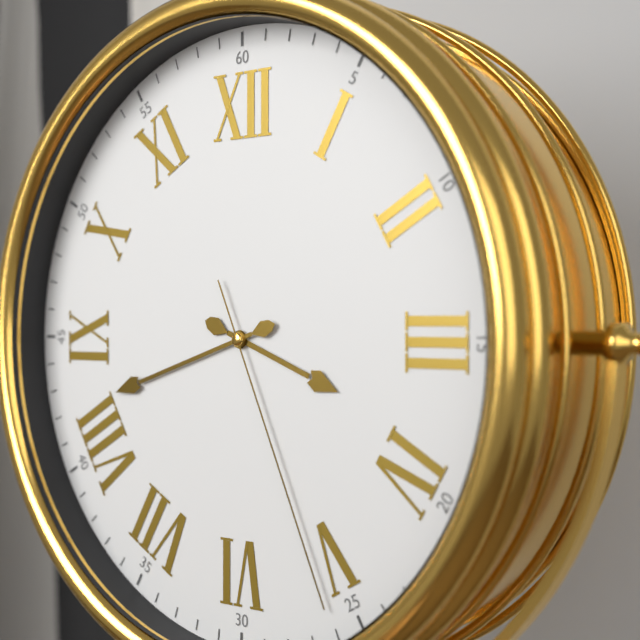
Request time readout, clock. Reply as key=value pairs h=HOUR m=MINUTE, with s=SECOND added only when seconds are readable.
h=3 m=42 s=26
